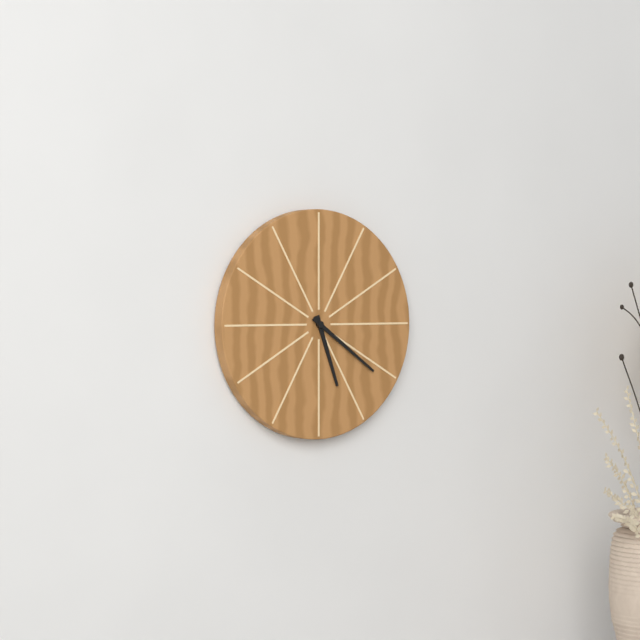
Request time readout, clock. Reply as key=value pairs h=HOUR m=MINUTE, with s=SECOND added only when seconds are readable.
h=5 m=21
